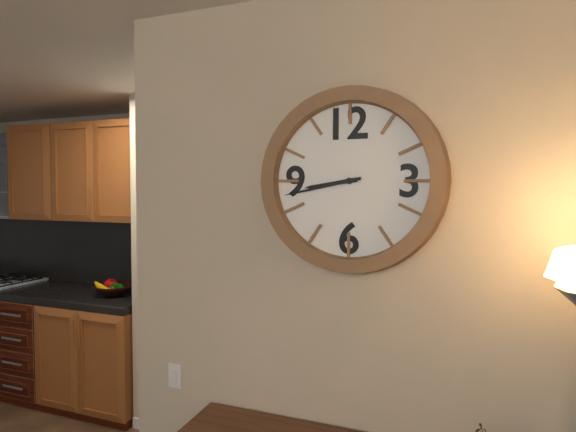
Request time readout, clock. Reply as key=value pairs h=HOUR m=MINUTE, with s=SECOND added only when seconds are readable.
h=8 m=43
